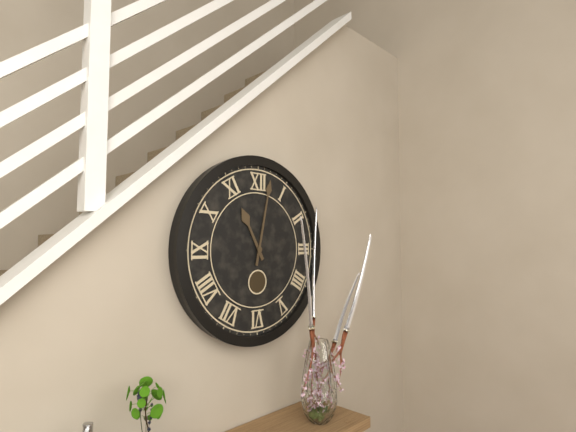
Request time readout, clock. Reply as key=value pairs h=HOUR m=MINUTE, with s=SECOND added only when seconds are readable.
h=11 m=2
